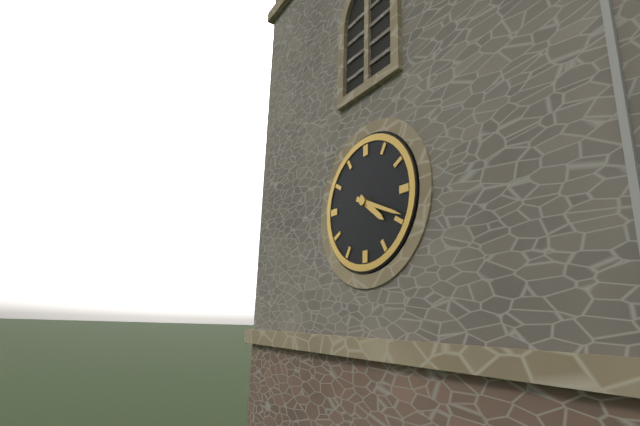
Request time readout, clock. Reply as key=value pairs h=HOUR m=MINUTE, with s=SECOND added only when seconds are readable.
h=4 m=19
